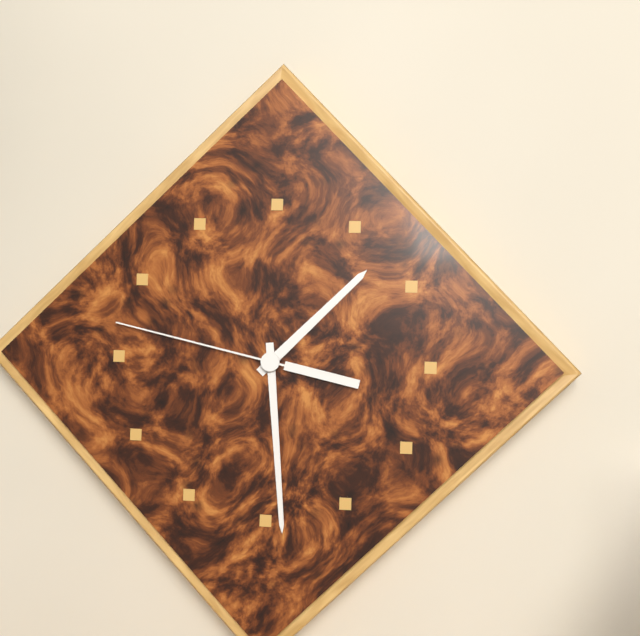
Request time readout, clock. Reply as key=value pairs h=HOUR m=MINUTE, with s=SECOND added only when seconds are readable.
h=1 m=29 s=47
